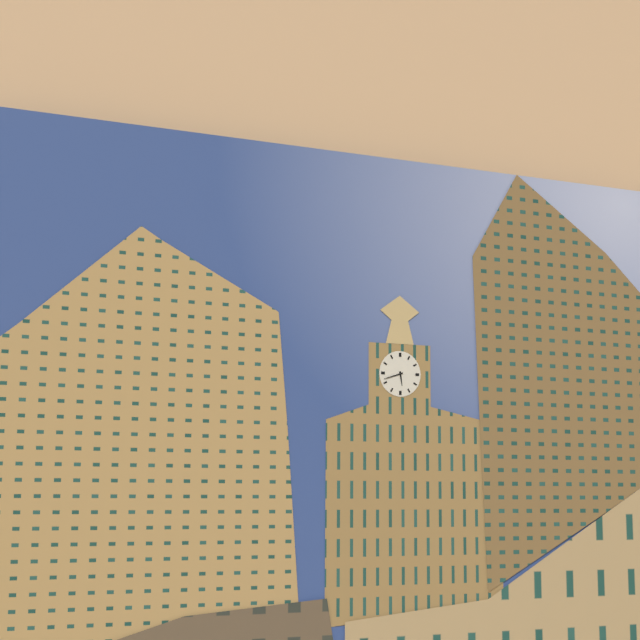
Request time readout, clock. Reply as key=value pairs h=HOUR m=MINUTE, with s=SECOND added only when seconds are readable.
h=5 m=42
